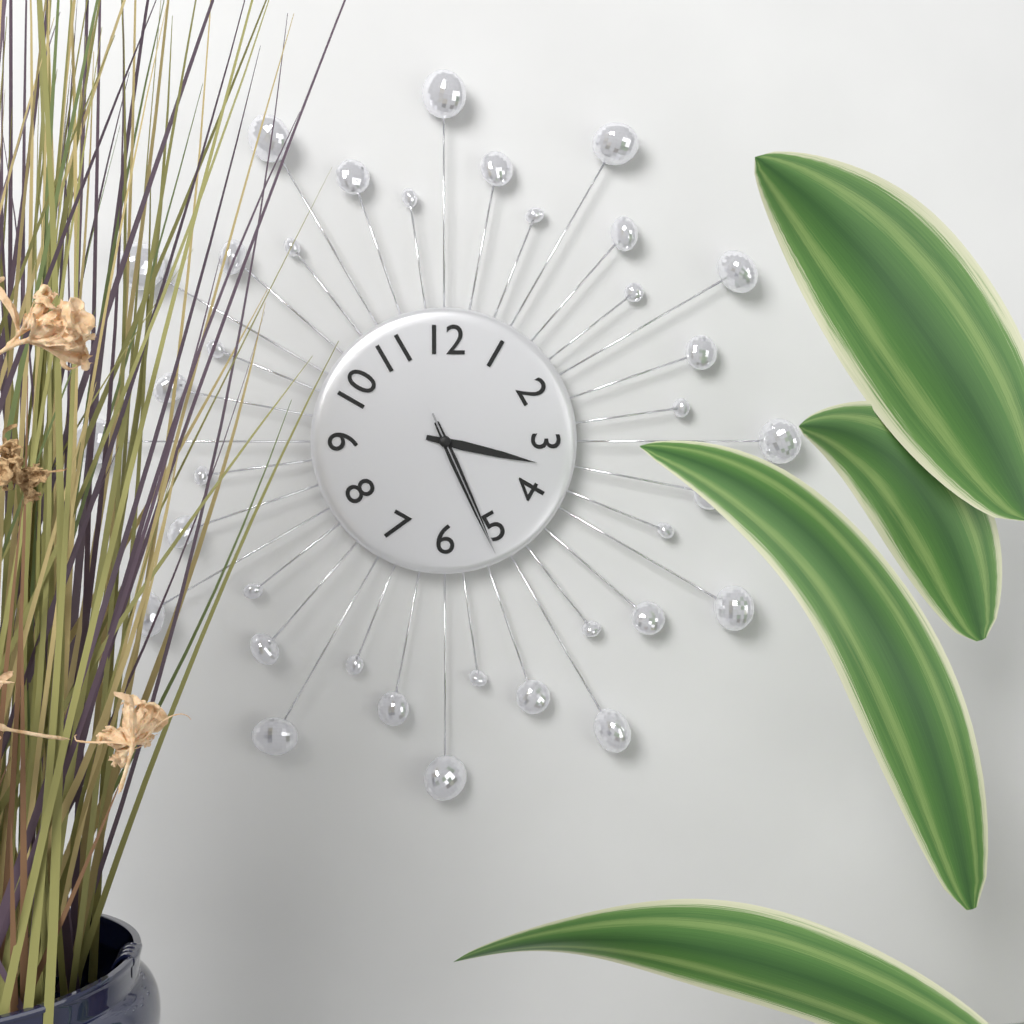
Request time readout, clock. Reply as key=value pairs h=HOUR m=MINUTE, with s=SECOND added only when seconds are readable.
h=3 m=26 s=26
